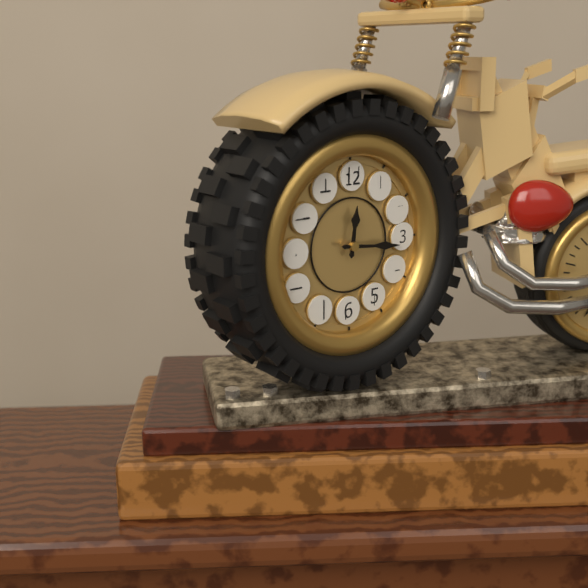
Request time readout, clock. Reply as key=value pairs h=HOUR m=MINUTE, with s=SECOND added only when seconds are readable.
h=12 m=16
